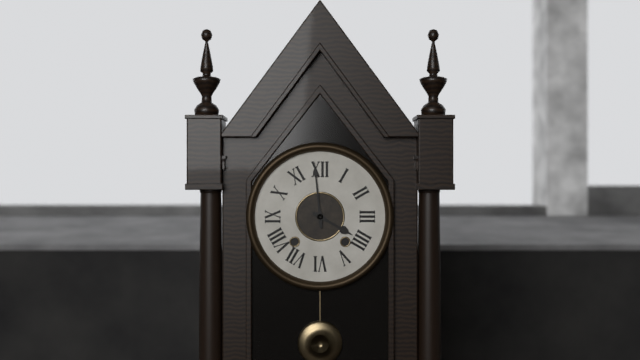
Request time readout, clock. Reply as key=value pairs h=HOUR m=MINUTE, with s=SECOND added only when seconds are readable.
h=3 m=59
